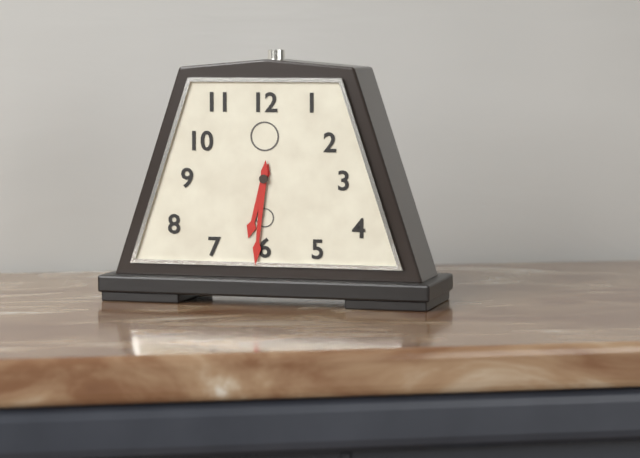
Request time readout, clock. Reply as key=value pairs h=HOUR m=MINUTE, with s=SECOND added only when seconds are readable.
h=6 m=31
